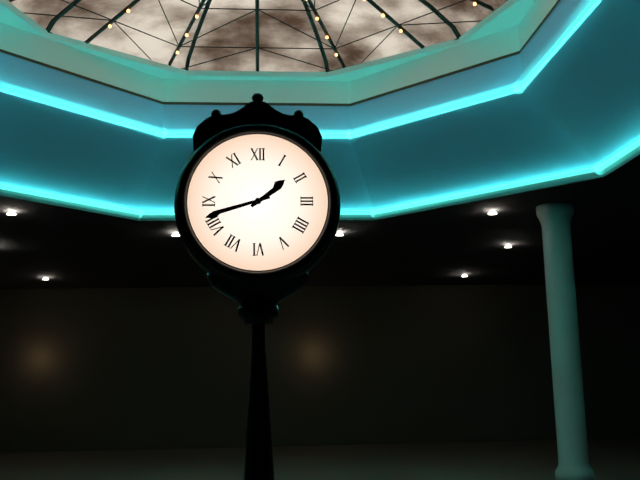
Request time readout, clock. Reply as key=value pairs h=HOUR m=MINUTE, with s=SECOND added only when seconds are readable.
h=1 m=42
